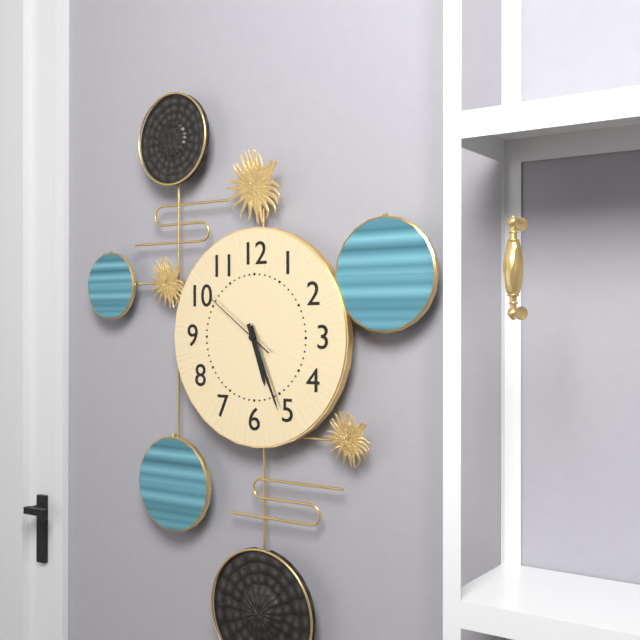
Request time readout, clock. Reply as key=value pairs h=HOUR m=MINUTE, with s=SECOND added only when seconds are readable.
h=5 m=26 s=51
